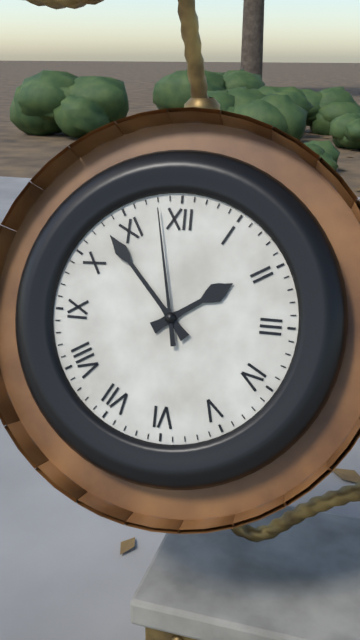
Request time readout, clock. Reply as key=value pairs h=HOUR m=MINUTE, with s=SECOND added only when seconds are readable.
h=1 m=53 s=58
